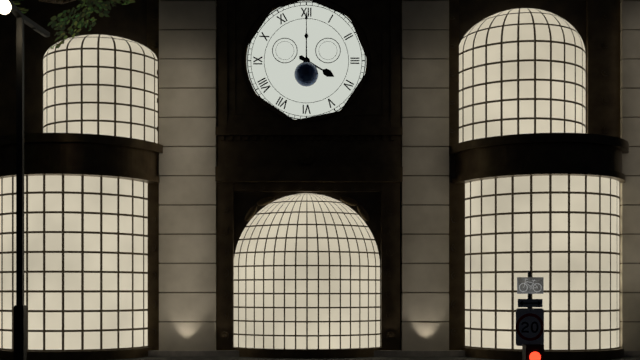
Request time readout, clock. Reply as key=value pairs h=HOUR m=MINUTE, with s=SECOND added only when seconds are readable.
h=4 m=0
